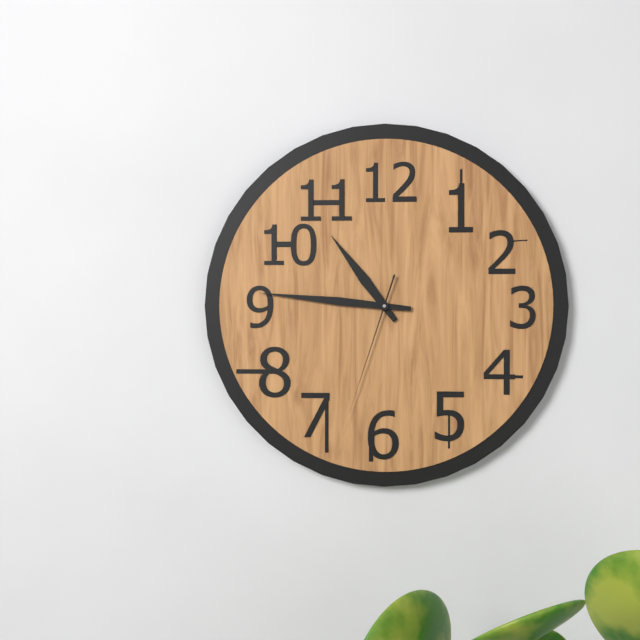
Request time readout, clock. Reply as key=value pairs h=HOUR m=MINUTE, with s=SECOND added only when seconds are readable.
h=10 m=46 s=33
